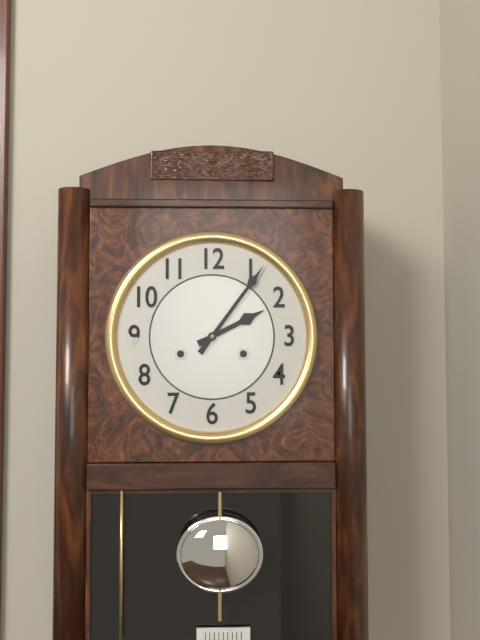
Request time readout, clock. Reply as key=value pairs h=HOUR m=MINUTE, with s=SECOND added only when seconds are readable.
h=2 m=6
